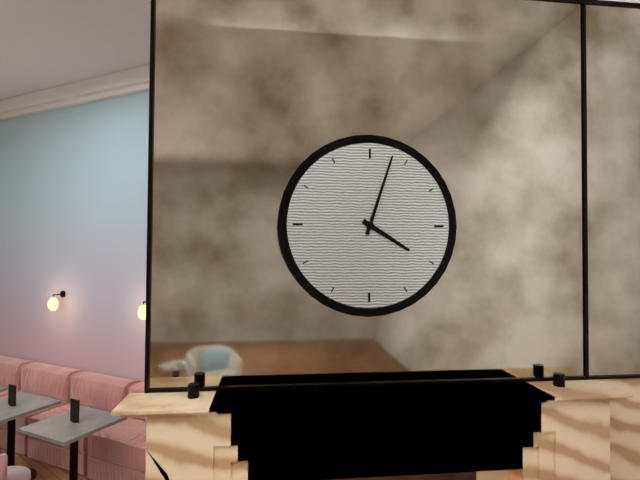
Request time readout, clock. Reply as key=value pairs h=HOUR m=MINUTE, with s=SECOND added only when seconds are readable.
h=4 m=3
